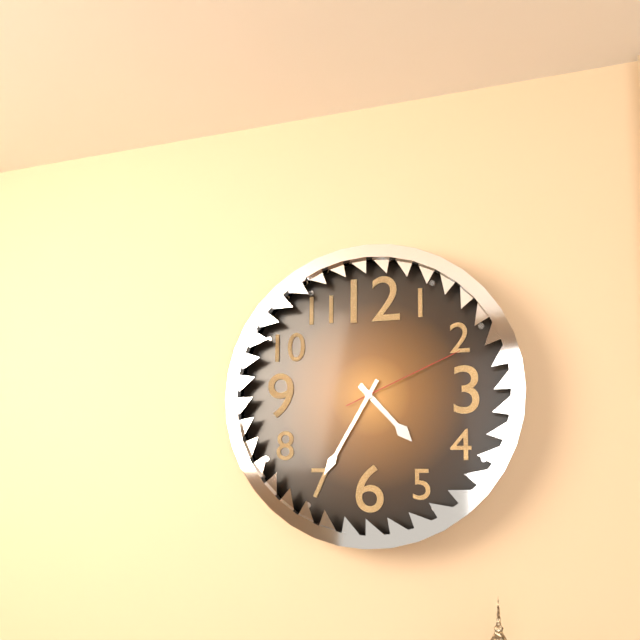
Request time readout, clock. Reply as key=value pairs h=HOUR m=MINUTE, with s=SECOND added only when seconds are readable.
h=4 m=35 s=11
